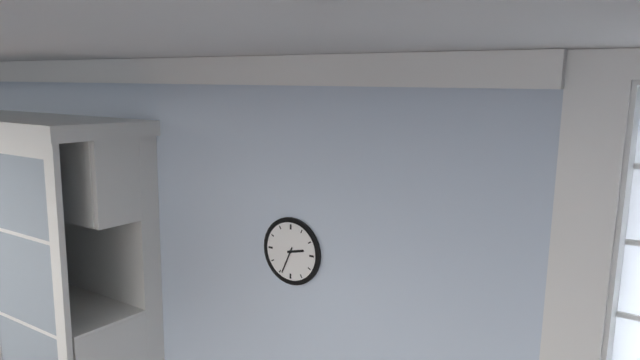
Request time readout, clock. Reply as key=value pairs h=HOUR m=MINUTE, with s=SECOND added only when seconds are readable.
h=2 m=34
